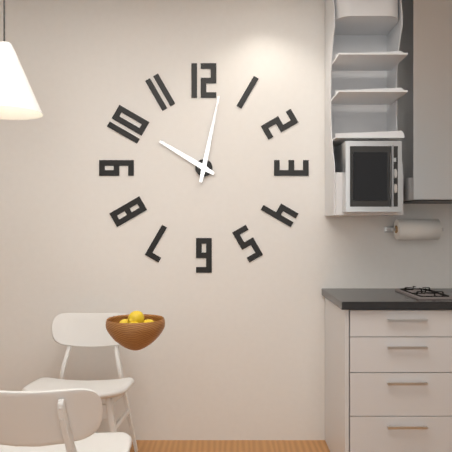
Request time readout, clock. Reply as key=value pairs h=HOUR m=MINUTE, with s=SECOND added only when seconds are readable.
h=10 m=2
